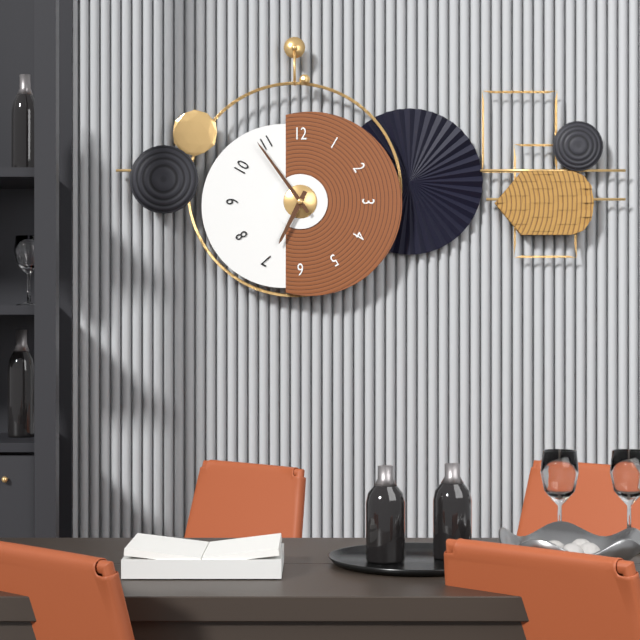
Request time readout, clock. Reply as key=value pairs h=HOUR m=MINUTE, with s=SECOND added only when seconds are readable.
h=6 m=54
